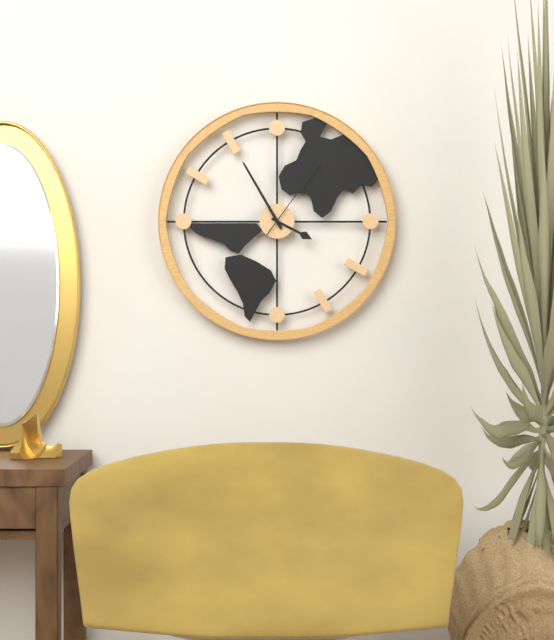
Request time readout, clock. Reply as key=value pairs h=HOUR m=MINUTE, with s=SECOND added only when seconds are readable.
h=3 m=55 s=6
